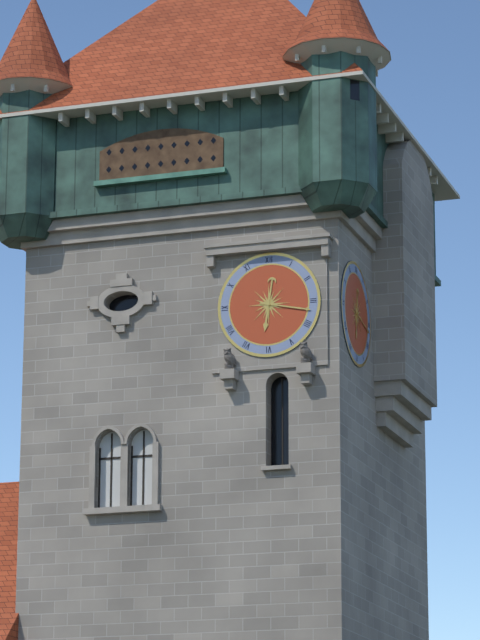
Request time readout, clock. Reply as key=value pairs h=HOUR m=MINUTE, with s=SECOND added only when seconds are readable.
h=6 m=17
